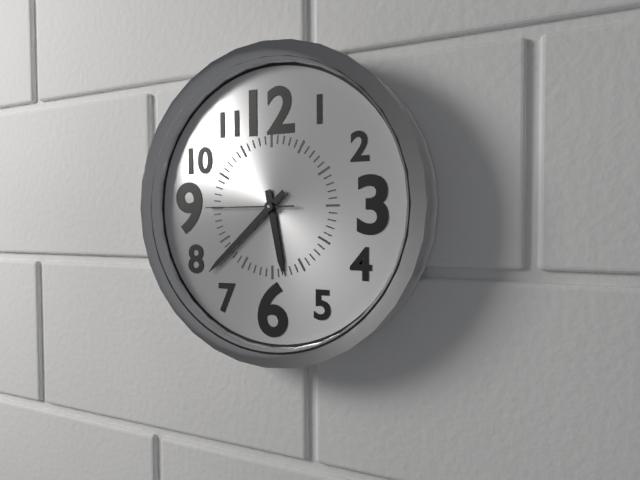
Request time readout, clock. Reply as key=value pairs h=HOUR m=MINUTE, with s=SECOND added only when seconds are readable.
h=5 m=38 s=45
